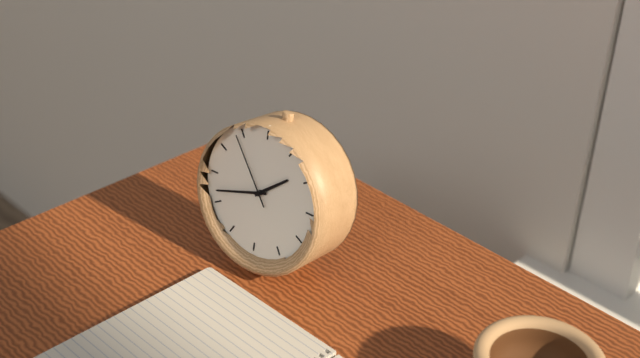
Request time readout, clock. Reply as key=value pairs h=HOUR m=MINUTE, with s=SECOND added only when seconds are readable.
h=1 m=42 s=54
